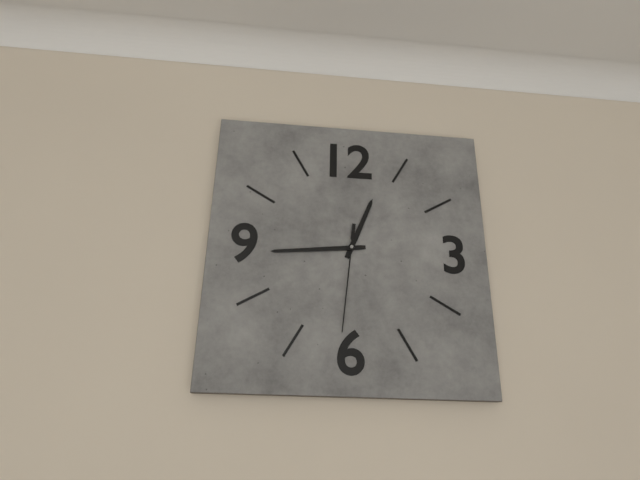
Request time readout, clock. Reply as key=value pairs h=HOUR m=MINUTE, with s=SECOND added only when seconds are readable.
h=12 m=44 s=31
